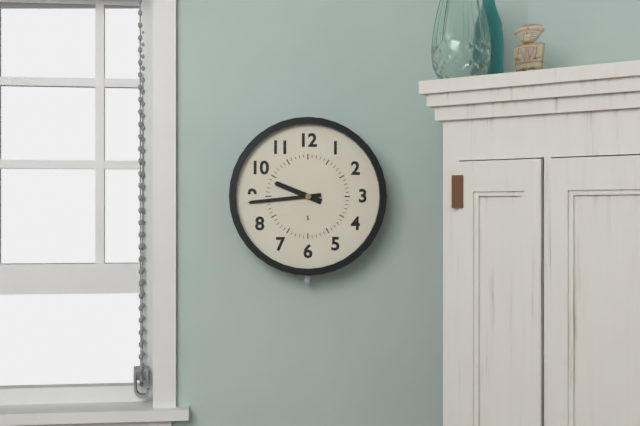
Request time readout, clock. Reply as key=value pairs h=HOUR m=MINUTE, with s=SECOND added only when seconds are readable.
h=9 m=44
